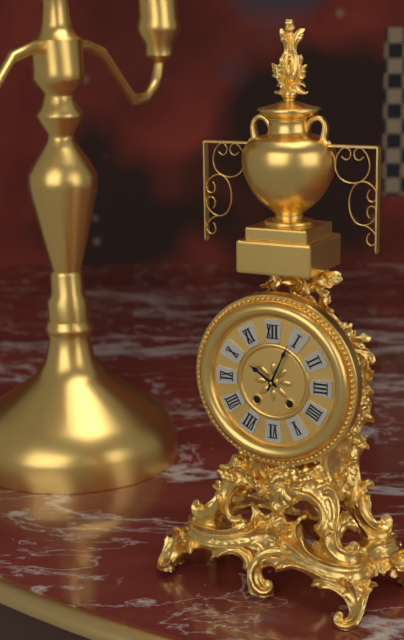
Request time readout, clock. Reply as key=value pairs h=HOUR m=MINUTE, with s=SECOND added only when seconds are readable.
h=10 m=4
